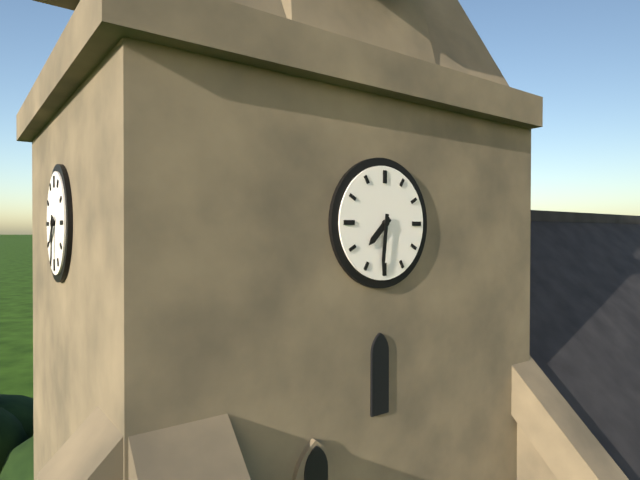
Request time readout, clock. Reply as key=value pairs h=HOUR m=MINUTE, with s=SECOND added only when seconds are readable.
h=7 m=31
